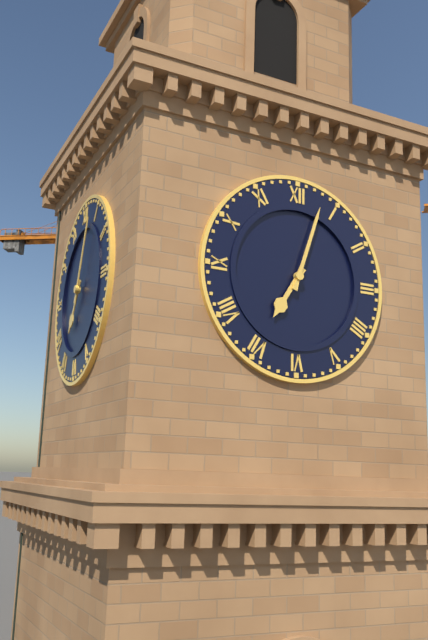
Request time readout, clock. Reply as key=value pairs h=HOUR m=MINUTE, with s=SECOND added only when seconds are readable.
h=7 m=3
